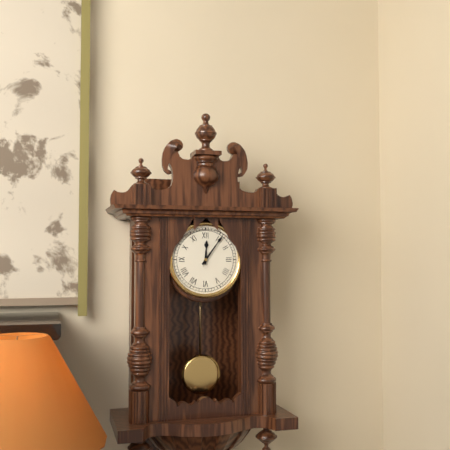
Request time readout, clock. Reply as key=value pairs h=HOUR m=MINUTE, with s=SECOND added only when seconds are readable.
h=12 m=6
